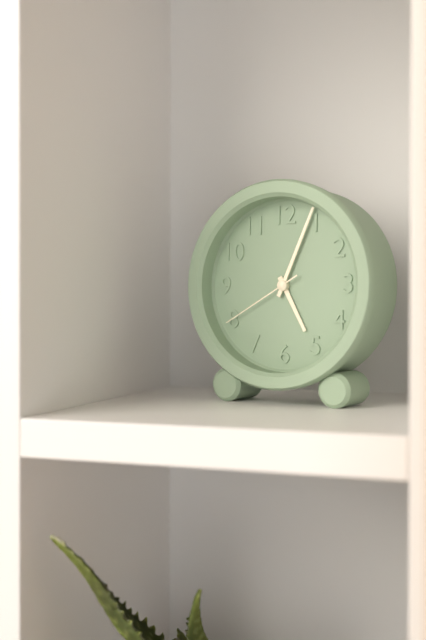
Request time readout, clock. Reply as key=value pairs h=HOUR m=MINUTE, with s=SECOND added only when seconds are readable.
h=5 m=4 s=40
